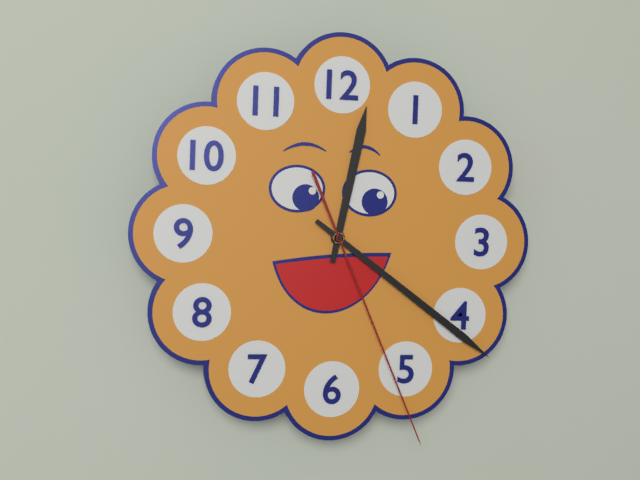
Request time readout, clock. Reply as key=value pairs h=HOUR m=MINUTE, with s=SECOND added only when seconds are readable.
h=12 m=21 s=26
